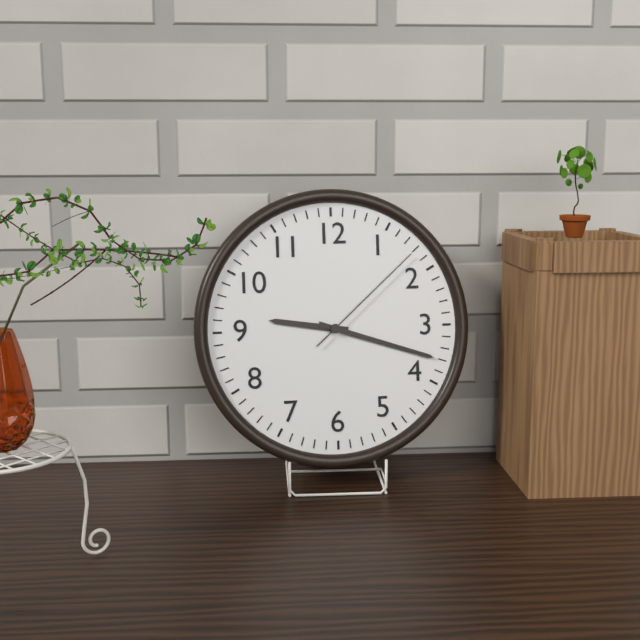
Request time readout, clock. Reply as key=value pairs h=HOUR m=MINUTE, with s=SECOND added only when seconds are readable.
h=9 m=18 s=8
